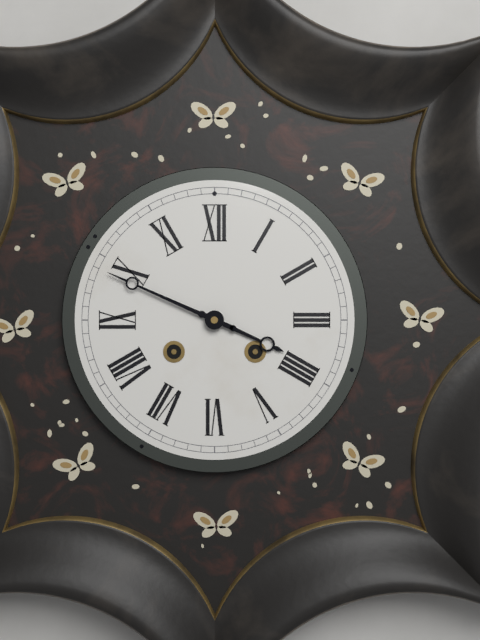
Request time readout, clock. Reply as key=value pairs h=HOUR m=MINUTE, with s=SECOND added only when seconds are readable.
h=3 m=49
